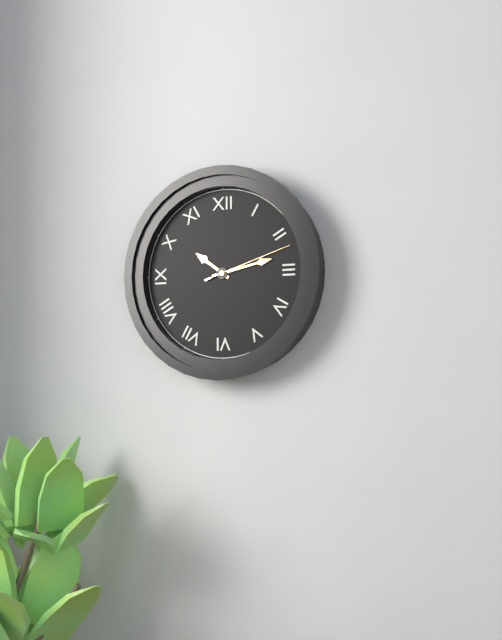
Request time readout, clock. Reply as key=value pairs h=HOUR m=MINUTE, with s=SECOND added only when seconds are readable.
h=10 m=13 s=12
